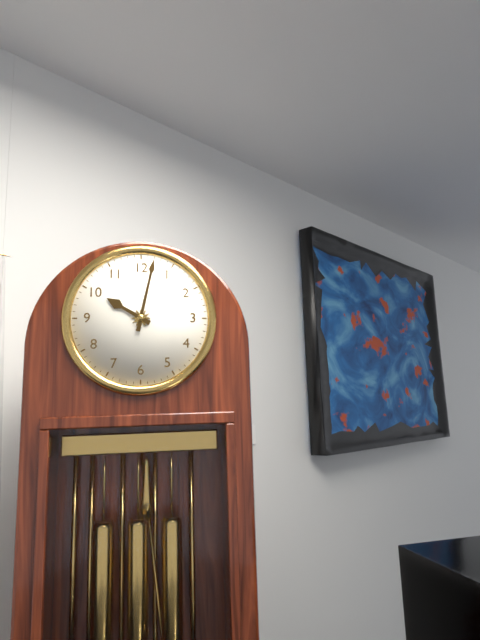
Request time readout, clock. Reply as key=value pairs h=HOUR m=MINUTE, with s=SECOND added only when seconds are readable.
h=10 m=2
